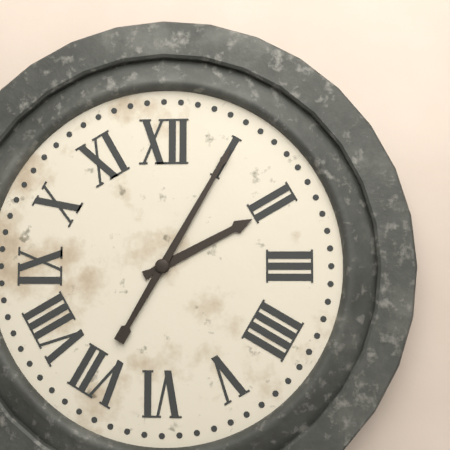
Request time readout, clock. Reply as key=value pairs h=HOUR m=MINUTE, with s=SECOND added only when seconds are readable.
h=2 m=5
